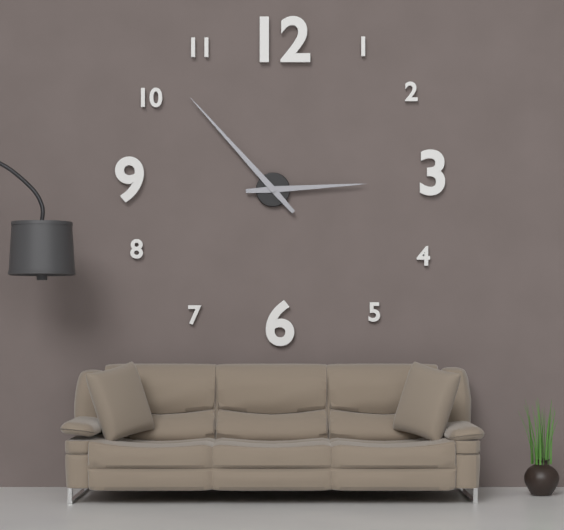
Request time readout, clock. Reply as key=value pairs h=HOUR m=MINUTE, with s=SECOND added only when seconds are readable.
h=2 m=53
